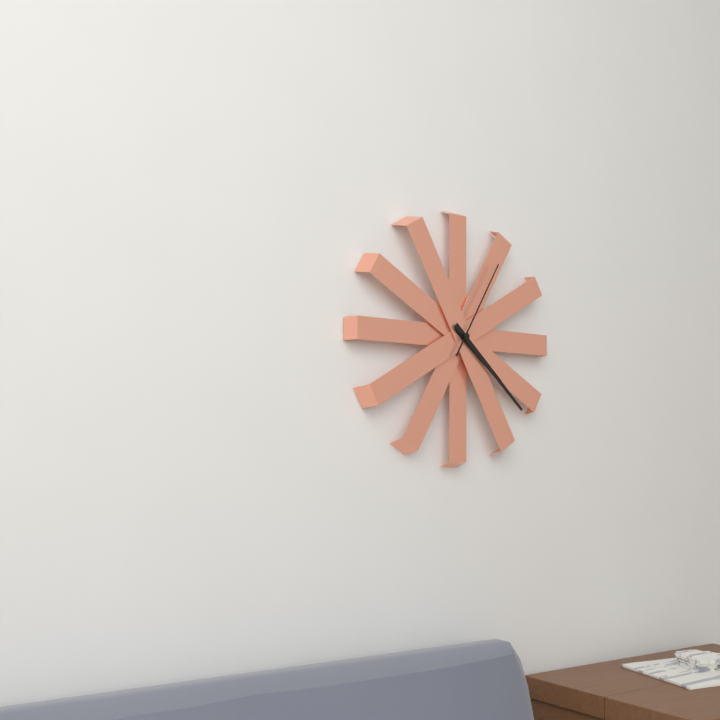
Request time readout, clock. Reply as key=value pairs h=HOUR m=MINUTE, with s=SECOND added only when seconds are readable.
h=4 m=22 s=5
